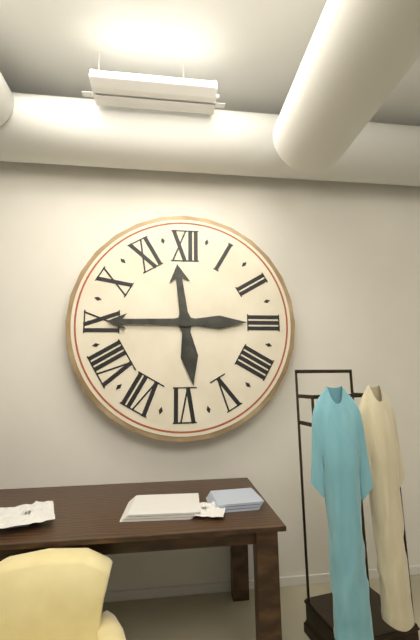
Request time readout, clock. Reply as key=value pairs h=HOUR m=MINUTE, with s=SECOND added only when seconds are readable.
h=11 m=45
